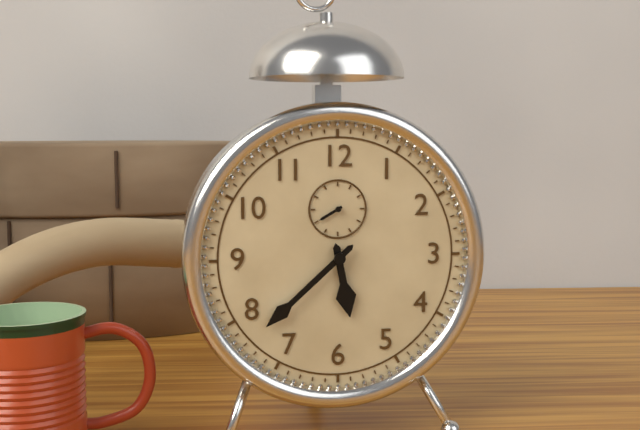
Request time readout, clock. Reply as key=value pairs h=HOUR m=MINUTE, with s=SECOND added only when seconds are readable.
h=5 m=38
